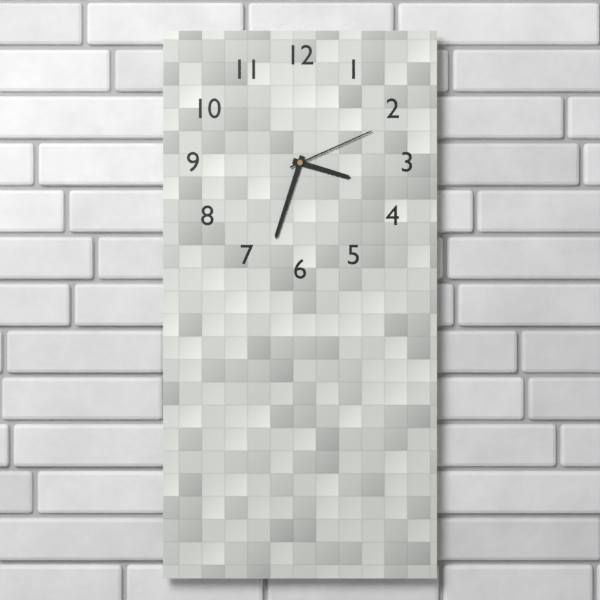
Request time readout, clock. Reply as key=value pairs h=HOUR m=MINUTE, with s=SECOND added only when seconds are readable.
h=3 m=33 s=11
